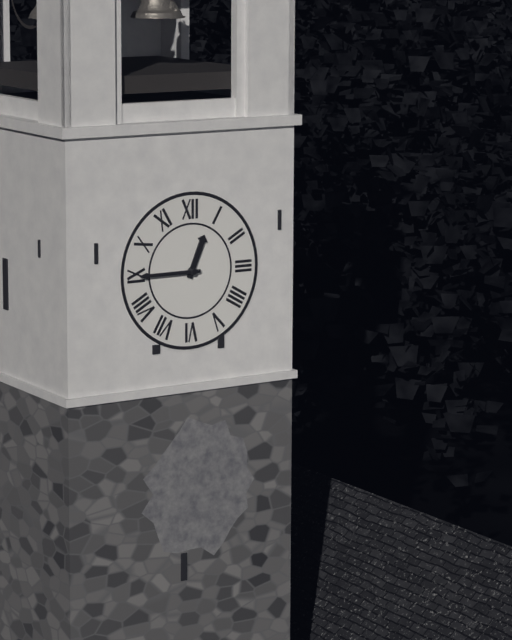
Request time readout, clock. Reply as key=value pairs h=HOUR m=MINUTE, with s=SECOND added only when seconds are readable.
h=12 m=45
